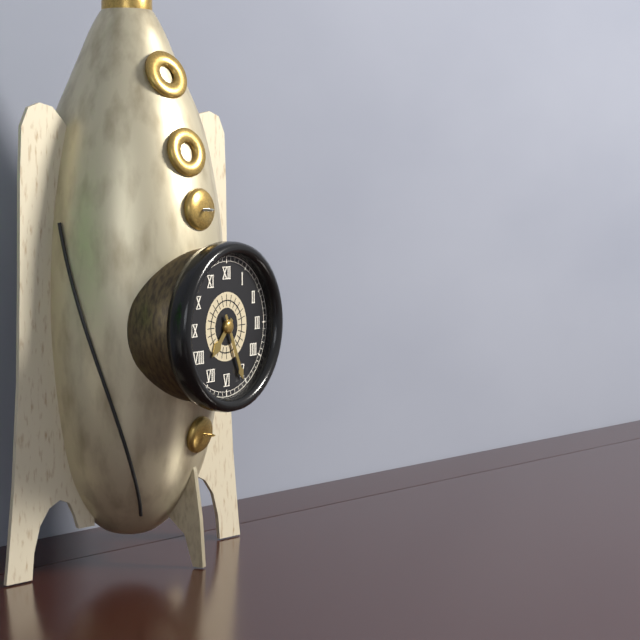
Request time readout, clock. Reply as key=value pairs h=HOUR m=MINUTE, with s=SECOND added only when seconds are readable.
h=7 m=26
